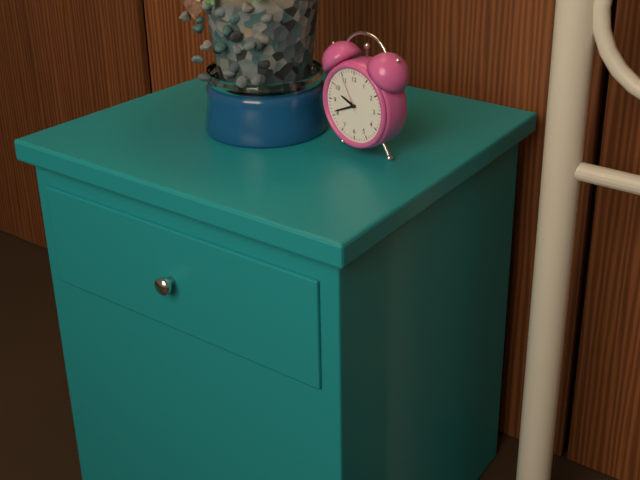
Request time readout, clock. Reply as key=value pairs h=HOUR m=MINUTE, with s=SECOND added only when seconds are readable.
h=9 m=41
